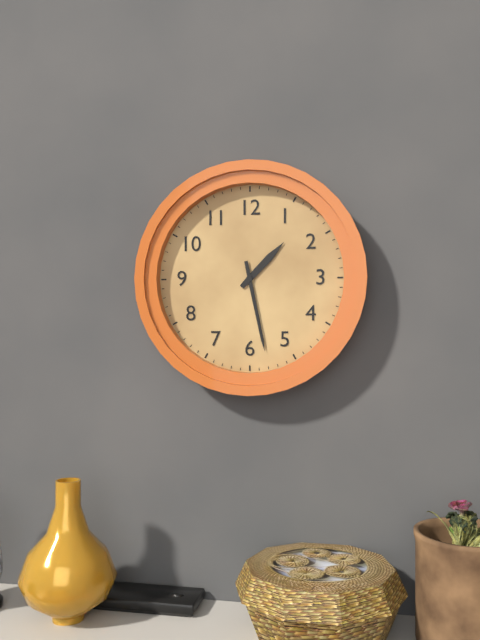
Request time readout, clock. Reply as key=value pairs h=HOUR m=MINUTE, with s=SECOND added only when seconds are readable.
h=1 m=28
